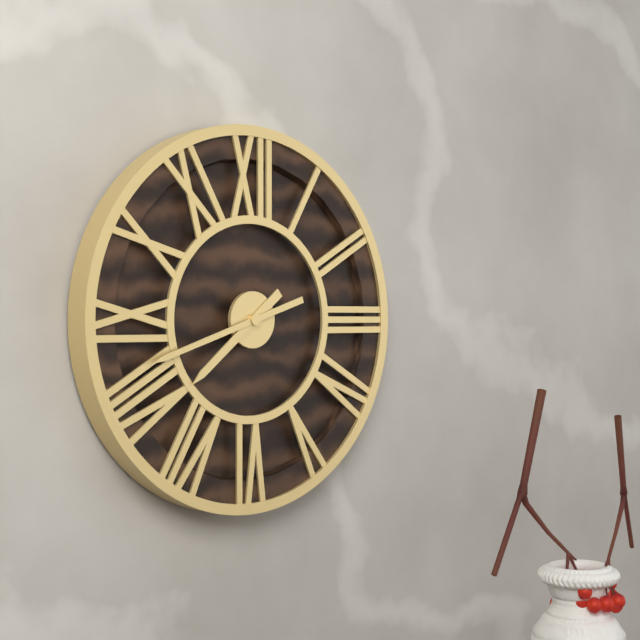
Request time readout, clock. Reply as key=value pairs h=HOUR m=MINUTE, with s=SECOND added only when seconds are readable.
h=7 m=42
